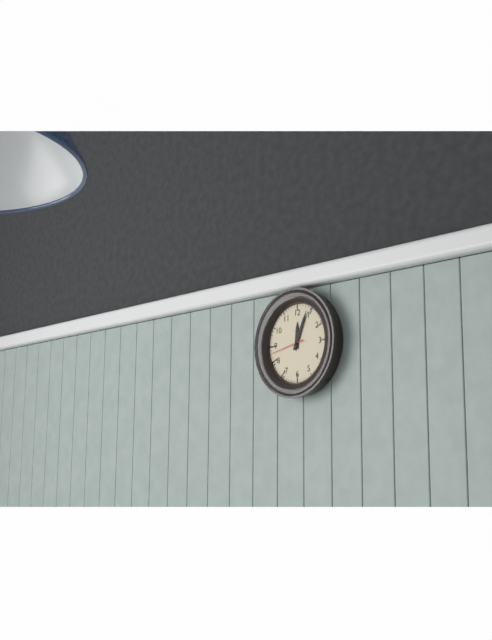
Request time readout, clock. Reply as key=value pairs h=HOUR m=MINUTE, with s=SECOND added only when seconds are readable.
h=12 m=4
